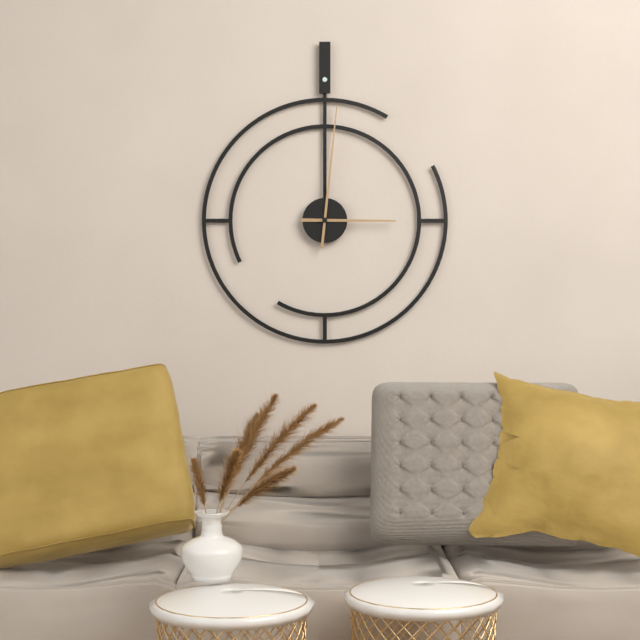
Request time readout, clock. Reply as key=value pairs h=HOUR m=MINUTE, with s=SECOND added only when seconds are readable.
h=3 m=1
